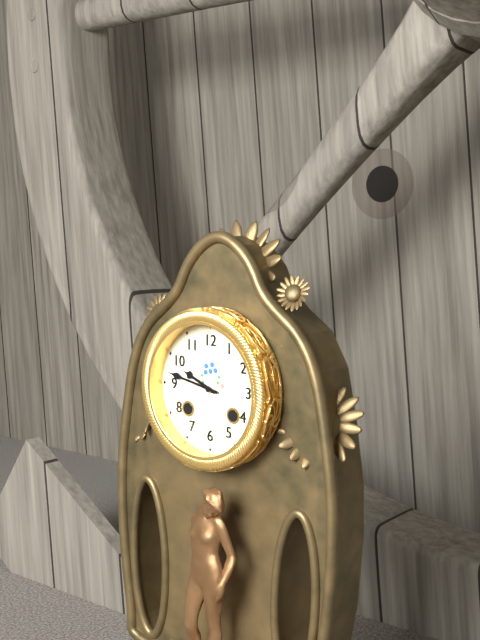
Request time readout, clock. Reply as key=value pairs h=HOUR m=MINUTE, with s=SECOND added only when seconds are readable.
h=9 m=47
